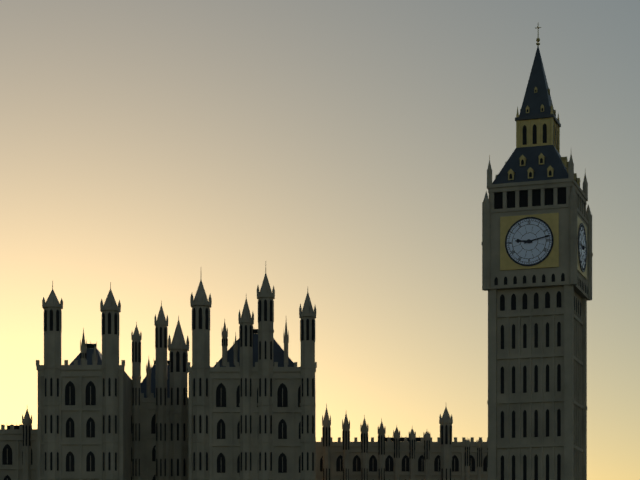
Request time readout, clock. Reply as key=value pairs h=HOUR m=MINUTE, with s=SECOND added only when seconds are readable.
h=9 m=13
